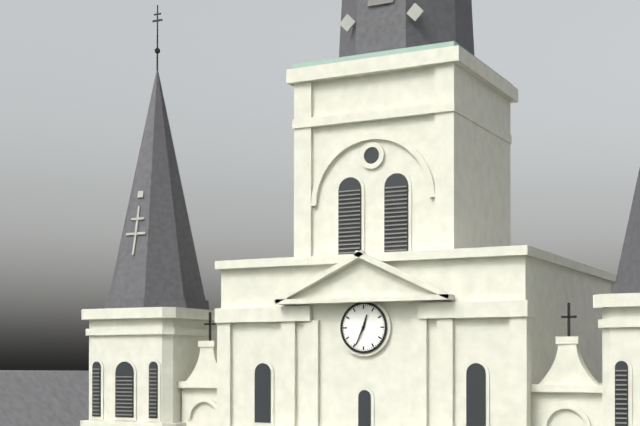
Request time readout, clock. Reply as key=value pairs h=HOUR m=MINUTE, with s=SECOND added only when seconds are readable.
h=12 m=34
